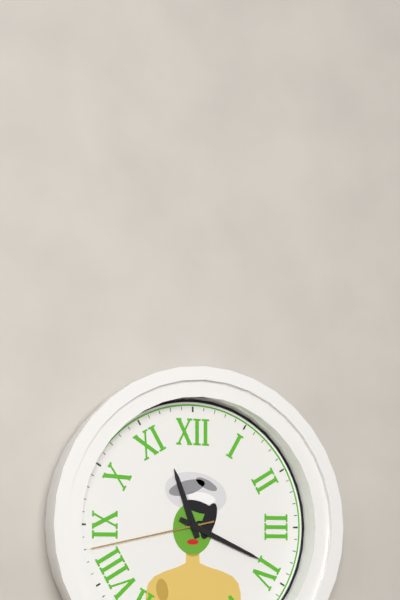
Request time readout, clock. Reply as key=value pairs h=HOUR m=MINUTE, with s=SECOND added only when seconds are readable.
h=11 m=19 s=43
